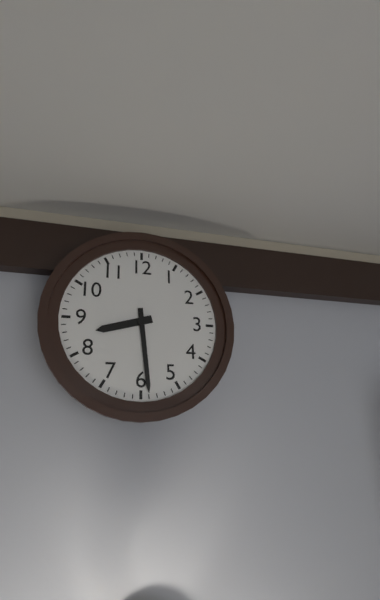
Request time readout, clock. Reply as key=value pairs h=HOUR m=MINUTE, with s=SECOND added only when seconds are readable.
h=8 m=29
